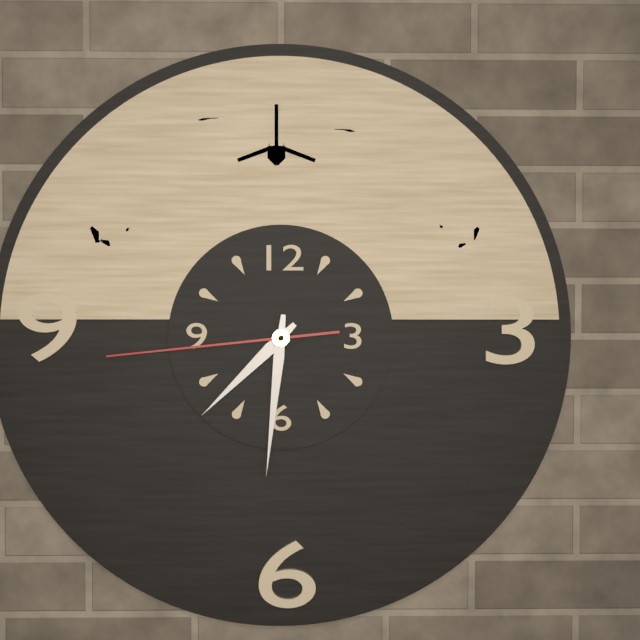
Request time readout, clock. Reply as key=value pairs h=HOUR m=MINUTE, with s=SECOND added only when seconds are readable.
h=7 m=31 s=44
